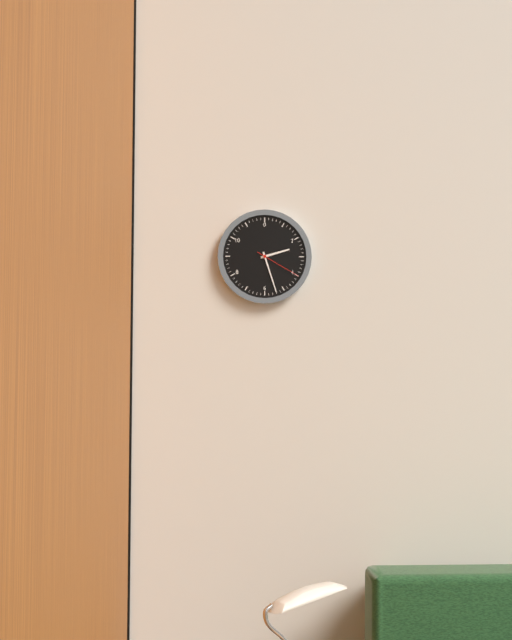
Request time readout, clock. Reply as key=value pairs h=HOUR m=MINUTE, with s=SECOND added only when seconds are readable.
h=2 m=27
